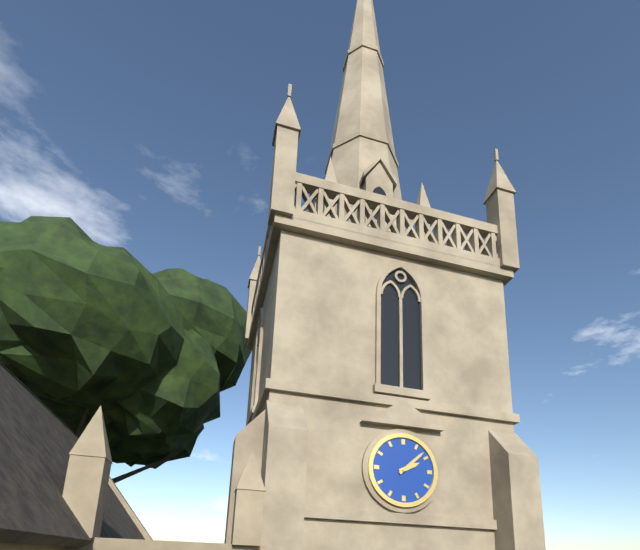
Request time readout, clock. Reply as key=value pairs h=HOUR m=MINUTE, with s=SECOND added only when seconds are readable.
h=2 m=8
